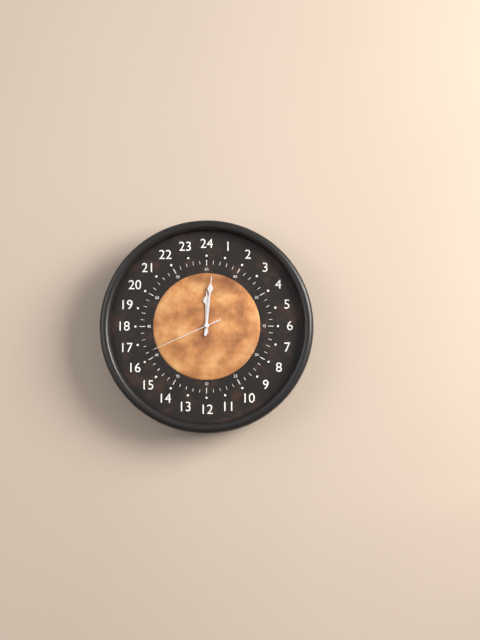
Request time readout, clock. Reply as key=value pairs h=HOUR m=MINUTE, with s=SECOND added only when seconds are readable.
h=12 m=1 s=41
